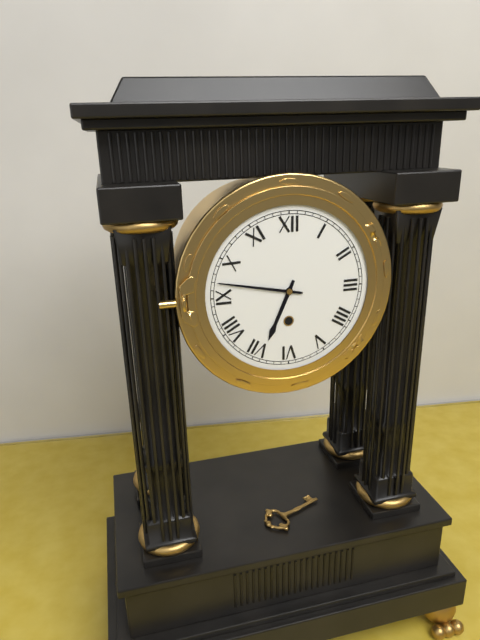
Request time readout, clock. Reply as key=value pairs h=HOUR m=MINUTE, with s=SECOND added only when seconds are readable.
h=6 m=47
